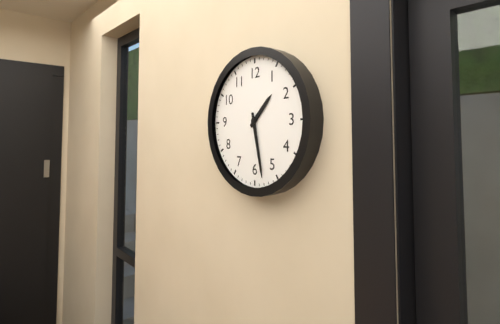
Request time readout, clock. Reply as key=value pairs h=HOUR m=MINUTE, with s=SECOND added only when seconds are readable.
h=1 m=28
